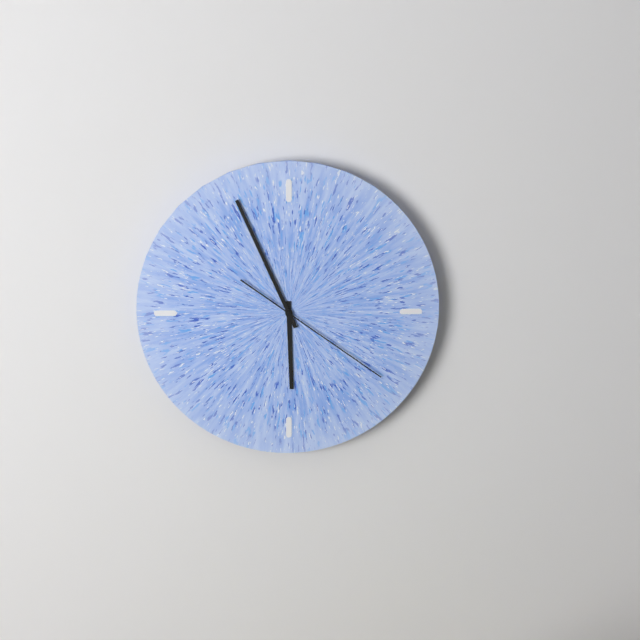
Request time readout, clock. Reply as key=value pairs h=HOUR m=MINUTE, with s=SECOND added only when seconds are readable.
h=5 m=56 s=21
